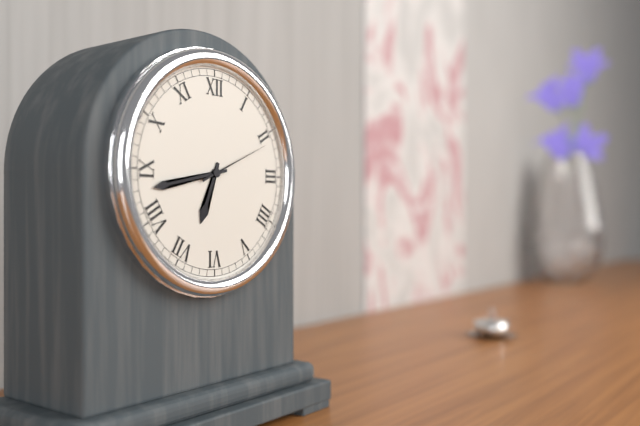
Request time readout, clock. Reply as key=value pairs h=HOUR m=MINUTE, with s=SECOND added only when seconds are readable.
h=6 m=43 s=11
